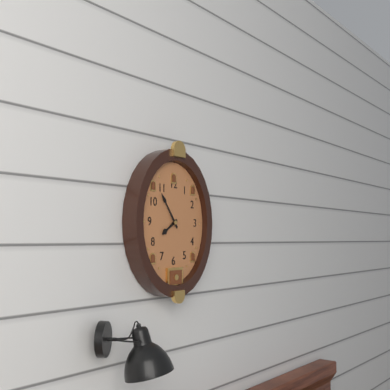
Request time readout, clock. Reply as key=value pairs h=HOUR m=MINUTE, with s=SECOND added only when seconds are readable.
h=7 m=54
